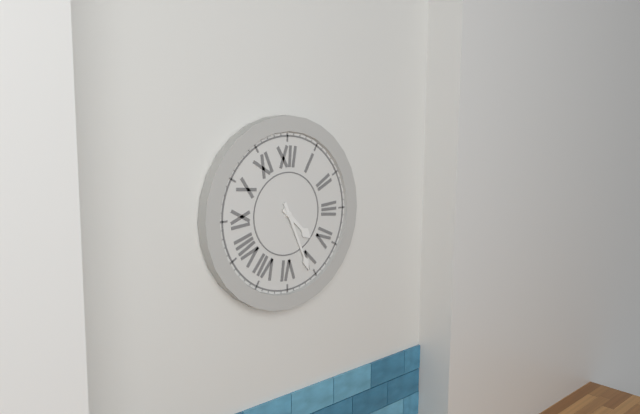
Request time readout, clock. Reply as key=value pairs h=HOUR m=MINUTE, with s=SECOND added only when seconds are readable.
h=4 m=26
